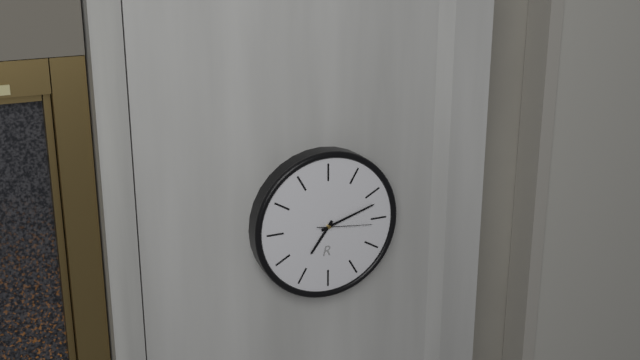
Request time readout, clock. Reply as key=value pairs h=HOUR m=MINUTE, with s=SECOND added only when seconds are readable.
h=7 m=12 s=16
